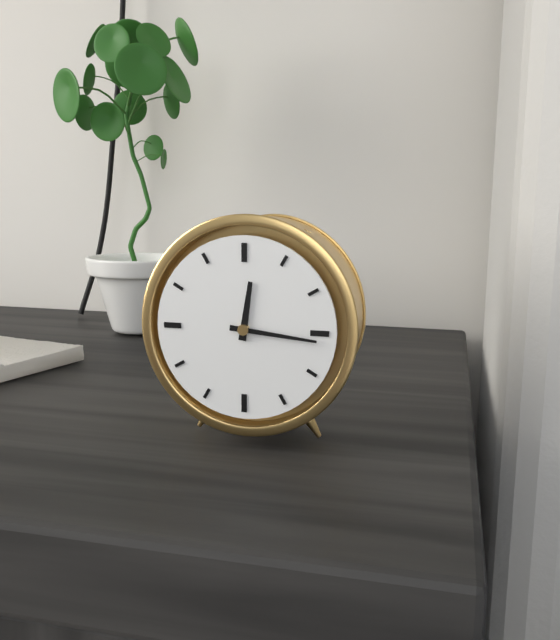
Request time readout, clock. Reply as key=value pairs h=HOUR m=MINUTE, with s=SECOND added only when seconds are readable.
h=12 m=16
